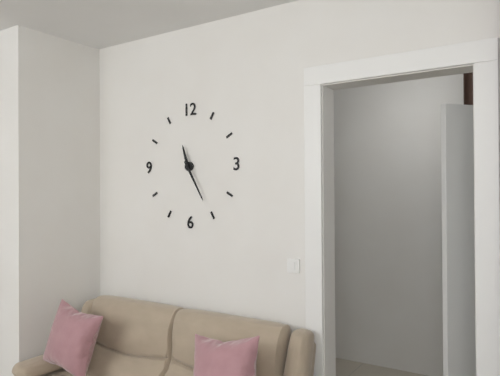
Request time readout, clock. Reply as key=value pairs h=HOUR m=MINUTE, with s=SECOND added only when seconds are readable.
h=11 m=25
